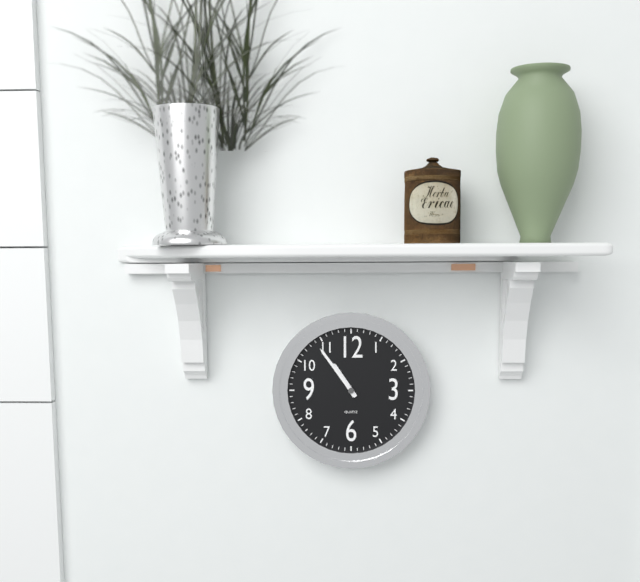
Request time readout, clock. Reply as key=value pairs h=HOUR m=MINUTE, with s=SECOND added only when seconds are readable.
h=10 m=54
